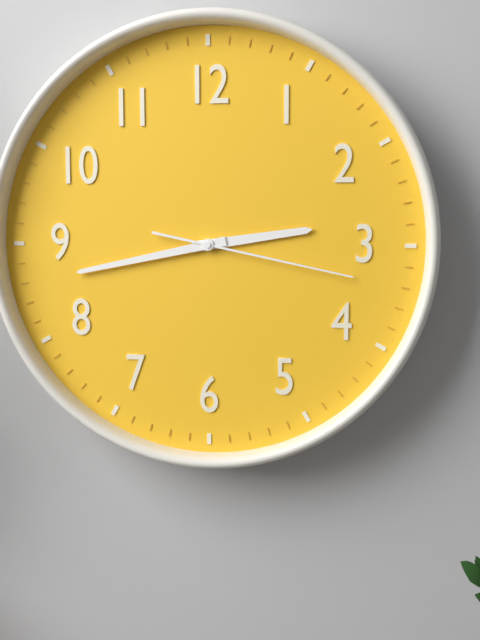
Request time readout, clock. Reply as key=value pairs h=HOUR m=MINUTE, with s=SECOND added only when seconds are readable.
h=2 m=43 s=17
